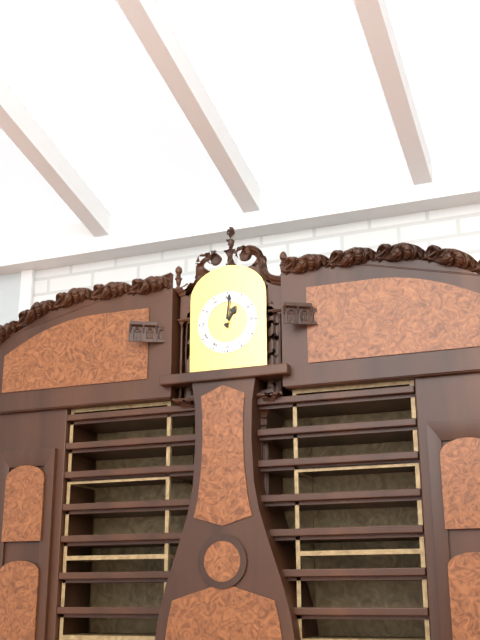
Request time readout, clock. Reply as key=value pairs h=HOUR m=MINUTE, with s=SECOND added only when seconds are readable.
h=1 m=1
